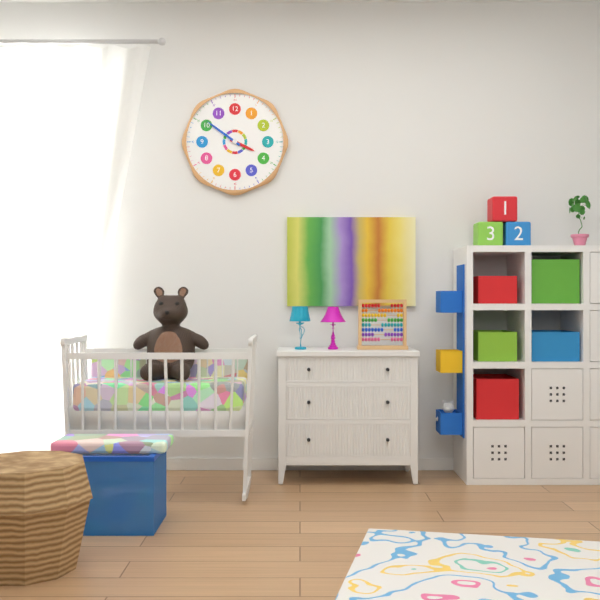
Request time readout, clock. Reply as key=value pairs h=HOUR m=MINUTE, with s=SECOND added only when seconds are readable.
h=3 m=51
